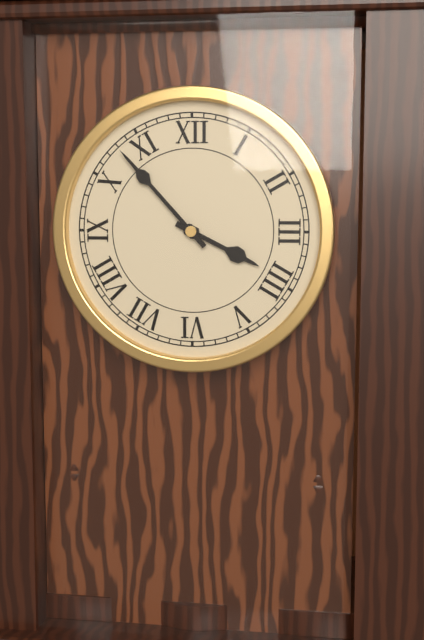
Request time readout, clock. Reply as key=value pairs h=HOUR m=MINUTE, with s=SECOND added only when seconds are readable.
h=3 m=53
